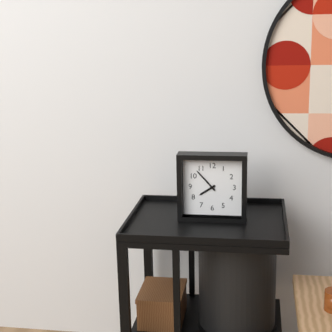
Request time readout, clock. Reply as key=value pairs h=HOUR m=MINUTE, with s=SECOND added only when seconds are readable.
h=7 m=53
